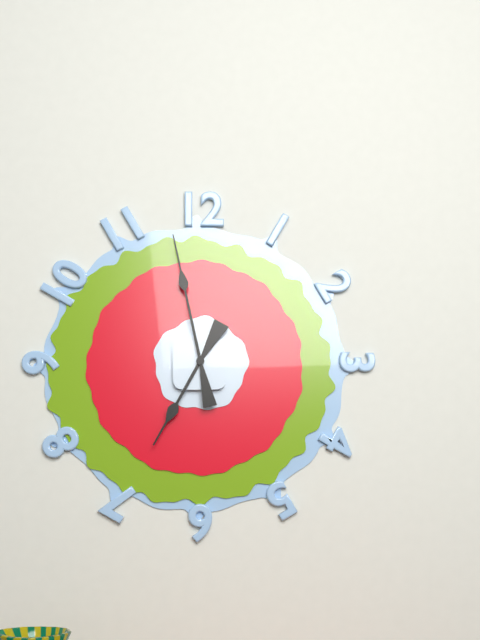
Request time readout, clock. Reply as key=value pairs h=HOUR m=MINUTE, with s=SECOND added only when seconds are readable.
h=6 m=58
